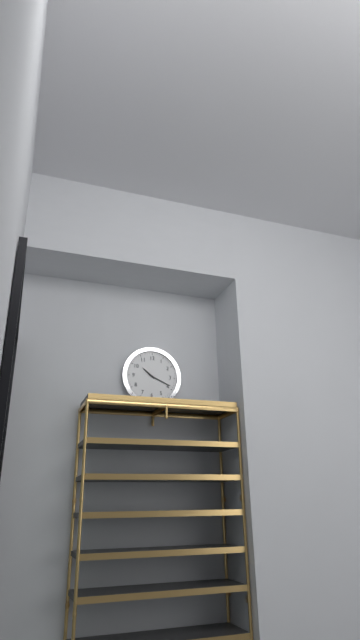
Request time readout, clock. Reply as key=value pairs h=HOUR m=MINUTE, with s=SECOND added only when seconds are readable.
h=10 m=19
